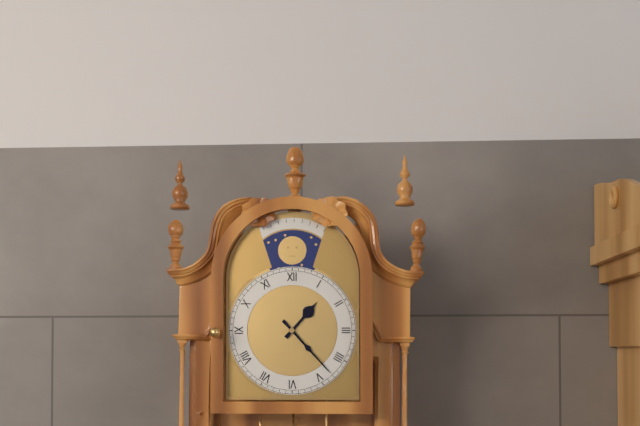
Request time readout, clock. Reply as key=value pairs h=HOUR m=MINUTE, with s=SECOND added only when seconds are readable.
h=1 m=23
